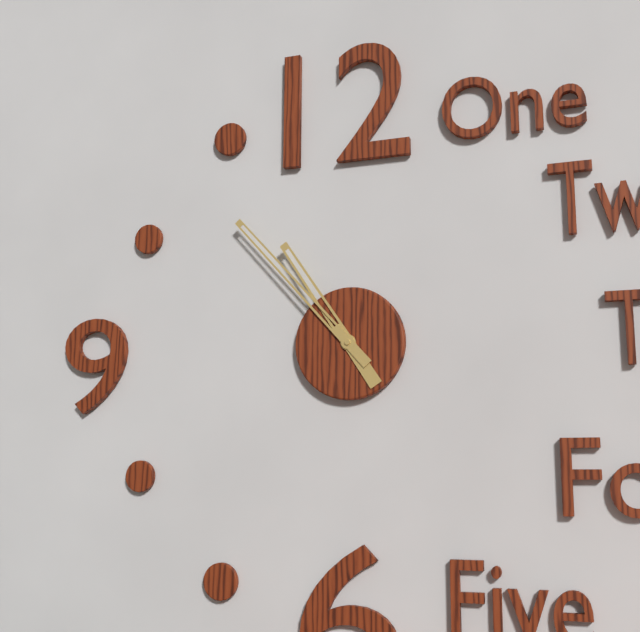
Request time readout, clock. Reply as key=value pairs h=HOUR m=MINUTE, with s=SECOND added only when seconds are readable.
h=10 m=53
